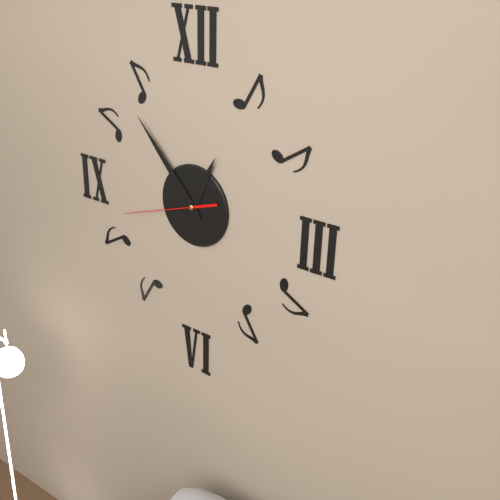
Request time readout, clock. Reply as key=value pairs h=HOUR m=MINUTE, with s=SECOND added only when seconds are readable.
h=12 m=53 s=42
